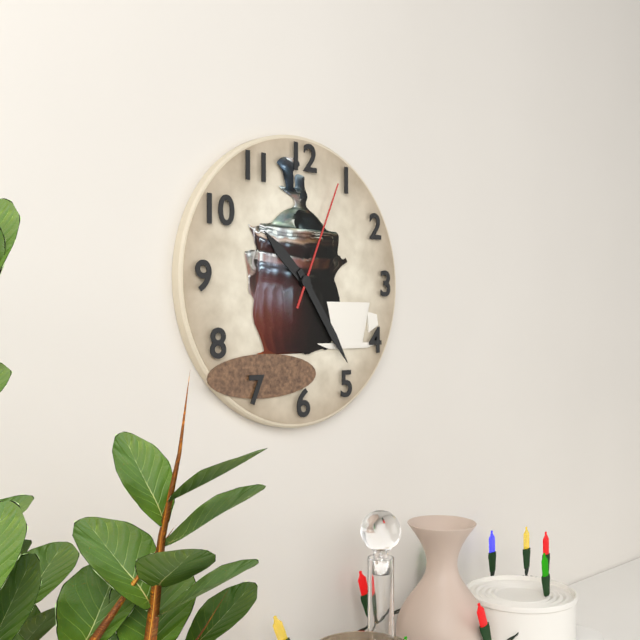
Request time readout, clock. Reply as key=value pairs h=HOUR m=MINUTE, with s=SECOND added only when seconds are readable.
h=10 m=24 s=4
